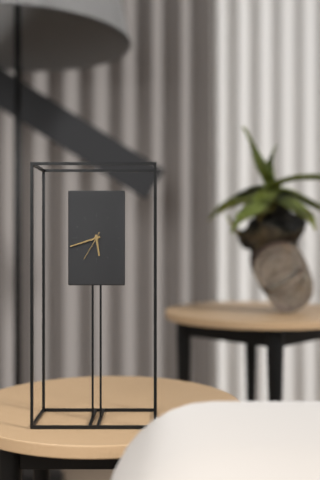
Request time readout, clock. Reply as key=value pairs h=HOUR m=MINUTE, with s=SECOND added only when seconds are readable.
h=5 m=42
